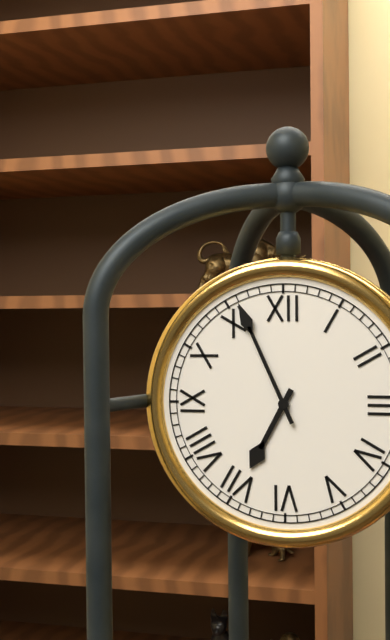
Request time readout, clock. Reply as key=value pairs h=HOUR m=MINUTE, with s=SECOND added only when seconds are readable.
h=6 m=56
